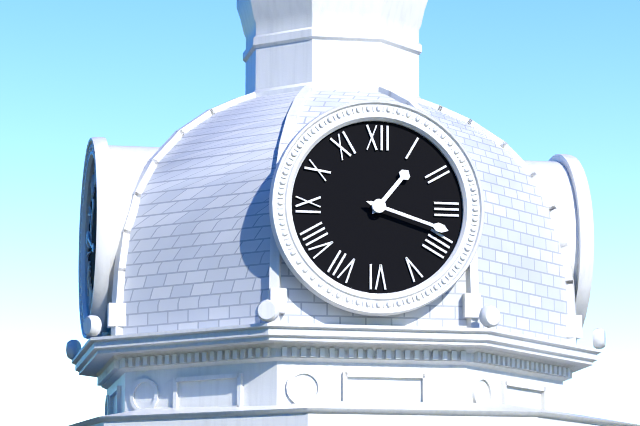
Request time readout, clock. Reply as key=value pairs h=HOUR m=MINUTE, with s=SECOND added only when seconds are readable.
h=1 m=18
